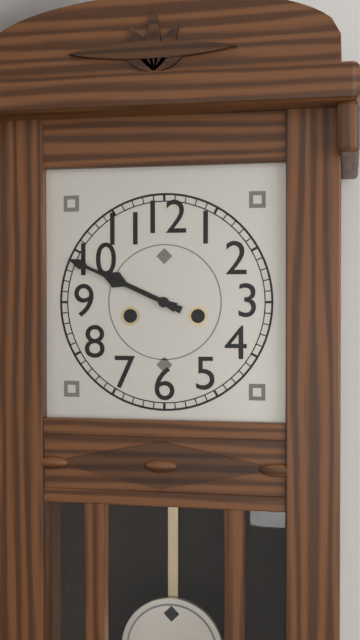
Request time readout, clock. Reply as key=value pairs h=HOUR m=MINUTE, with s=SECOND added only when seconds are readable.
h=9 m=49
